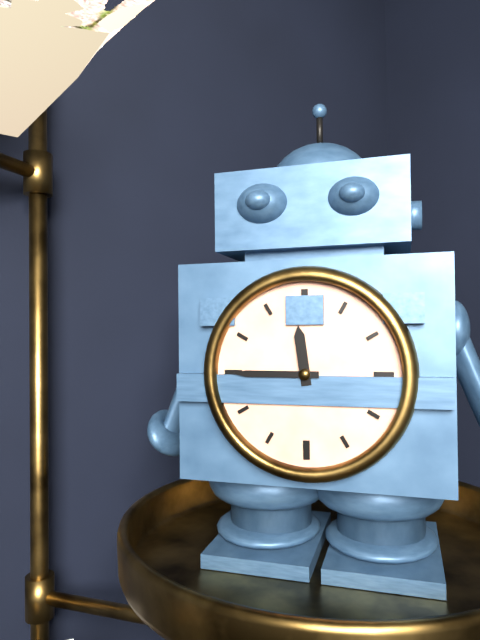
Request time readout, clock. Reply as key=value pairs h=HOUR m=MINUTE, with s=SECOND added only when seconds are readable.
h=11 m=45
